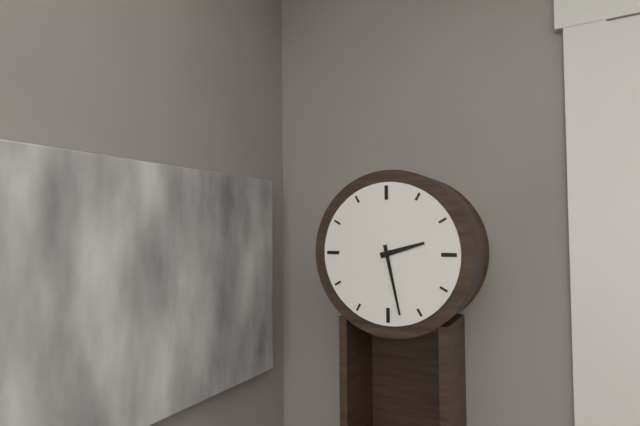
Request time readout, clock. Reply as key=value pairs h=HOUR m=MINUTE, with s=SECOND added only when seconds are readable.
h=2 m=28
